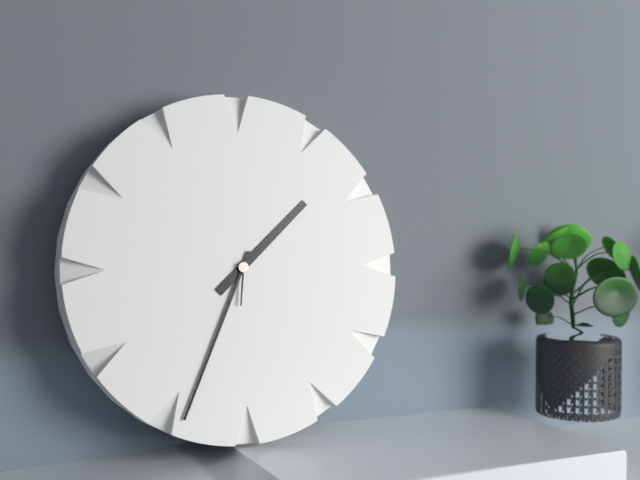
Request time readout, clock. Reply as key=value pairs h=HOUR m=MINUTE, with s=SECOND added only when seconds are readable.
h=1 m=34
